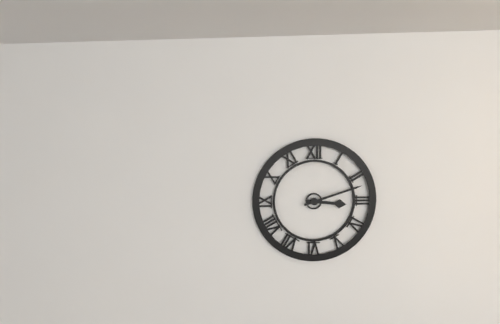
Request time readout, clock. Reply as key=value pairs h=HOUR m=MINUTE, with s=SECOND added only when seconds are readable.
h=3 m=12
